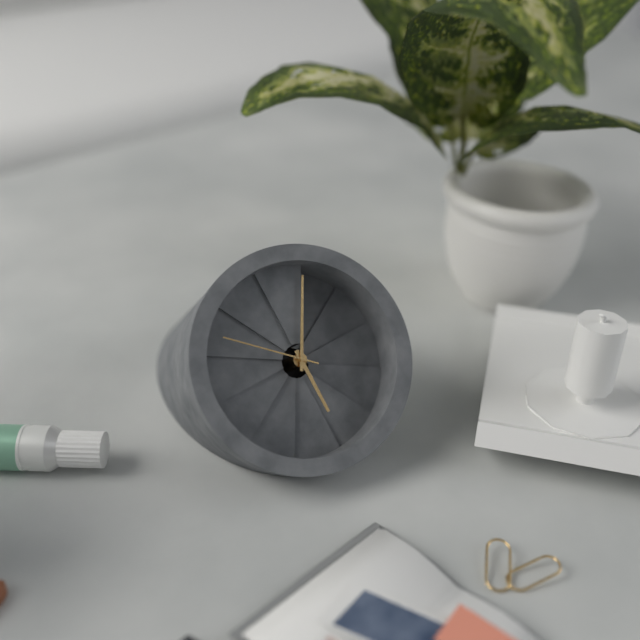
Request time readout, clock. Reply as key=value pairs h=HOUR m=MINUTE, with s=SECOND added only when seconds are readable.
h=5 m=0 s=47
